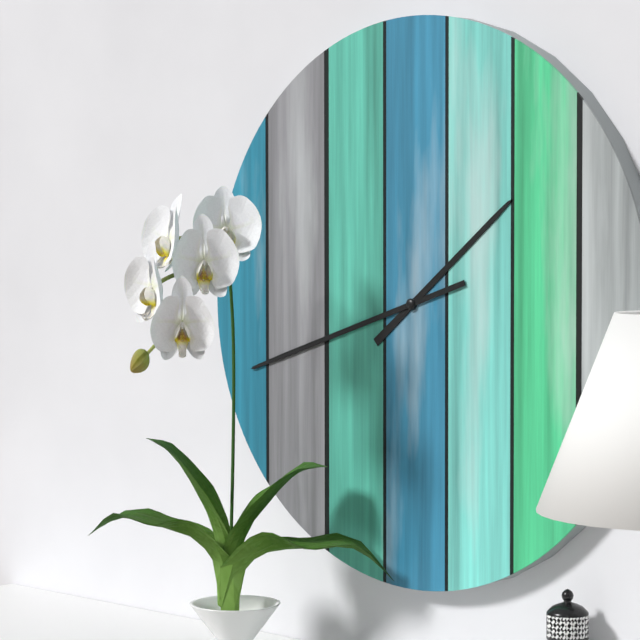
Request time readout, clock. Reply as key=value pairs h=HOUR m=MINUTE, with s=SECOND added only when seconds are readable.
h=1 m=42
